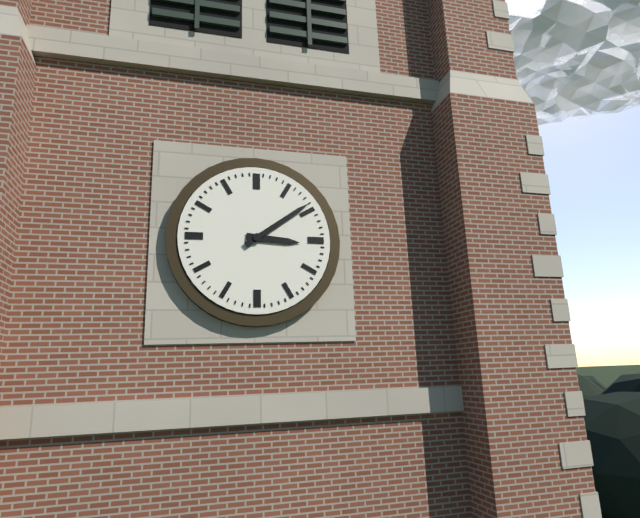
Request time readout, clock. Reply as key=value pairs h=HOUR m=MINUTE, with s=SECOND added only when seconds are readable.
h=3 m=9
